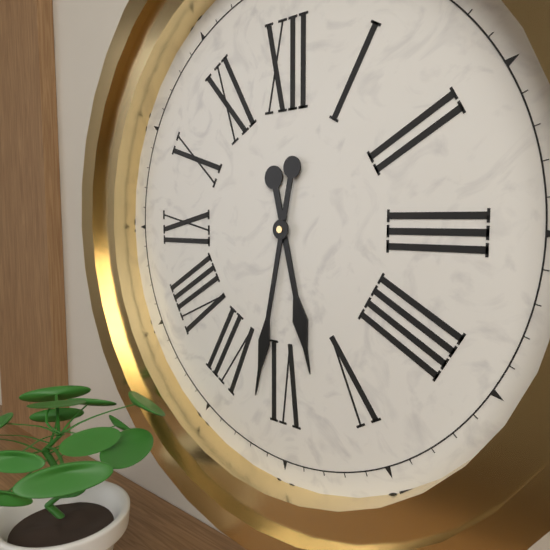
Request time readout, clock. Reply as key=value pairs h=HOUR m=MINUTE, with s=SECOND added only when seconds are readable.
h=5 m=32
